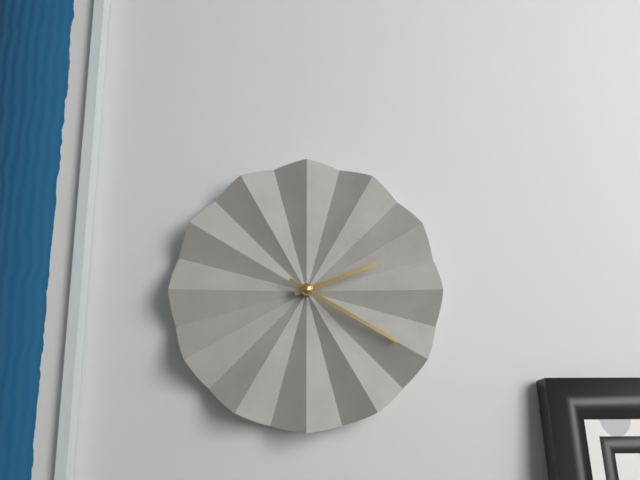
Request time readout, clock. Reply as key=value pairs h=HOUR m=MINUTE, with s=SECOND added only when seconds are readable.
h=2 m=20
